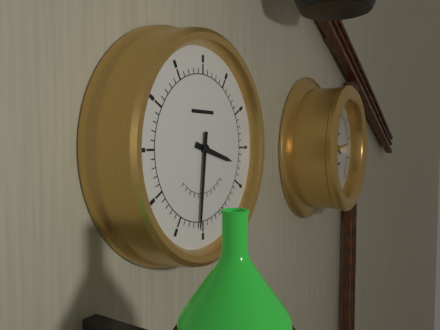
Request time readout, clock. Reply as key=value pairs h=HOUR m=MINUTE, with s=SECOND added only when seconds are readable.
h=3 m=31
